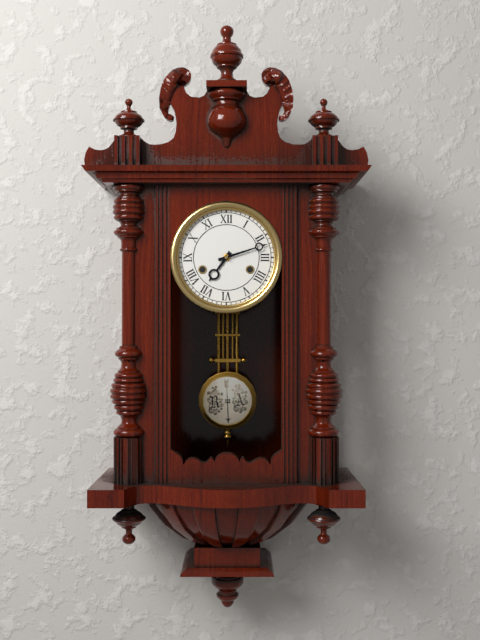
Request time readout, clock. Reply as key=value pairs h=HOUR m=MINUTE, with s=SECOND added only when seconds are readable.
h=7 m=12
